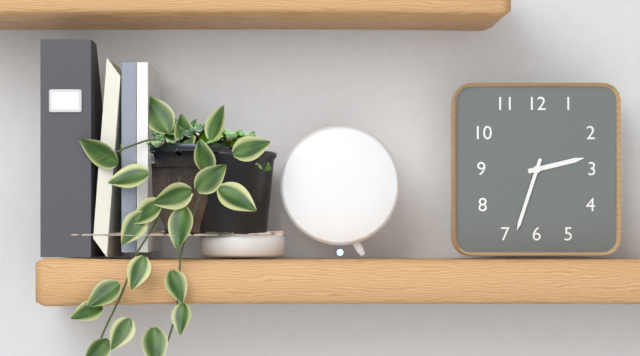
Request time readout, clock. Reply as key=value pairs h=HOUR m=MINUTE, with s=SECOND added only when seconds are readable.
h=2 m=33
